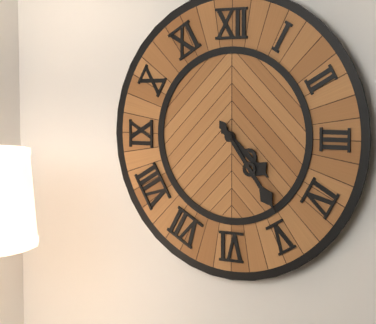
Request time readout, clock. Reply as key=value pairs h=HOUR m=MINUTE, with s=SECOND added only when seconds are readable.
h=4 m=24
